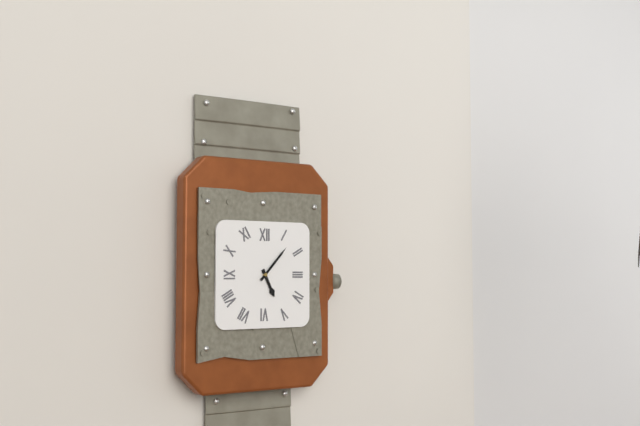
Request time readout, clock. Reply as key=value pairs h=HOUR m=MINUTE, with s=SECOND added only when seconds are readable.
h=5 m=7
